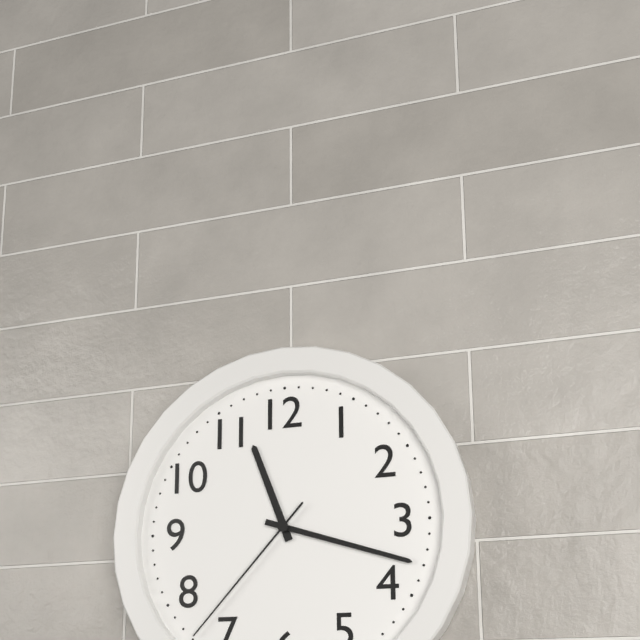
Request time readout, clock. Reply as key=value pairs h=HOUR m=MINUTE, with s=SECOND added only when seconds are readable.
h=11 m=18 s=37
